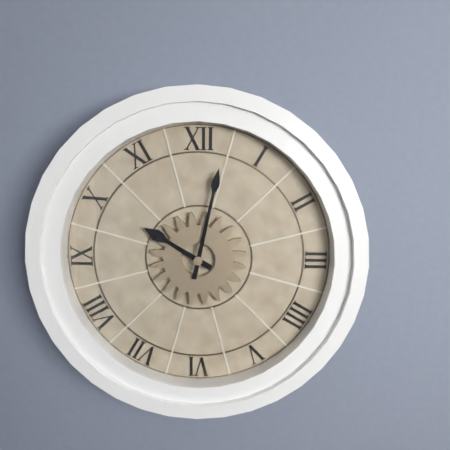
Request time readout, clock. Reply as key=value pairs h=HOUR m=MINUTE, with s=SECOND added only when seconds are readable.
h=10 m=2
